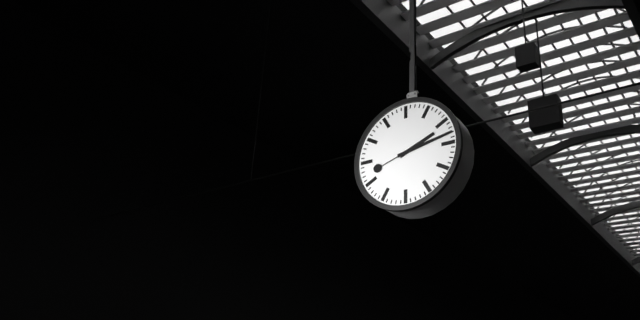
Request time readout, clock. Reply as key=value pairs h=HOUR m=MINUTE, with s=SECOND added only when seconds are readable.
h=2 m=13
